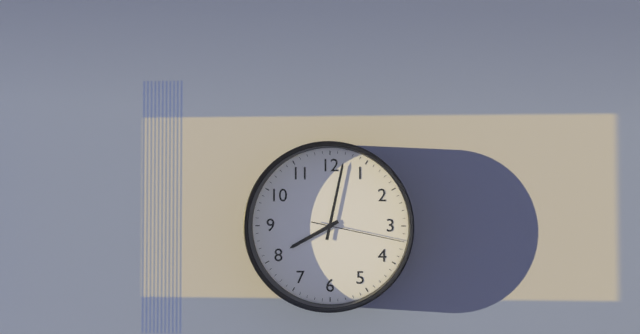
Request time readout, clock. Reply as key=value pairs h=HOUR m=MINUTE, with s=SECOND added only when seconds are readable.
h=8 m=2 s=17
